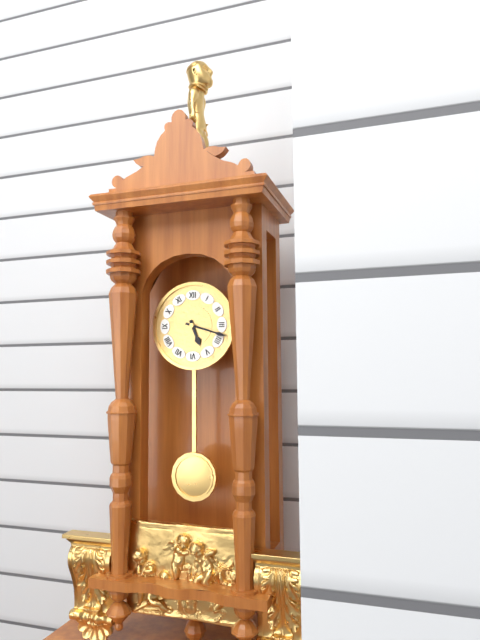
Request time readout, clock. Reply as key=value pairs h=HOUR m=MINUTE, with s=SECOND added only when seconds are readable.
h=5 m=18
